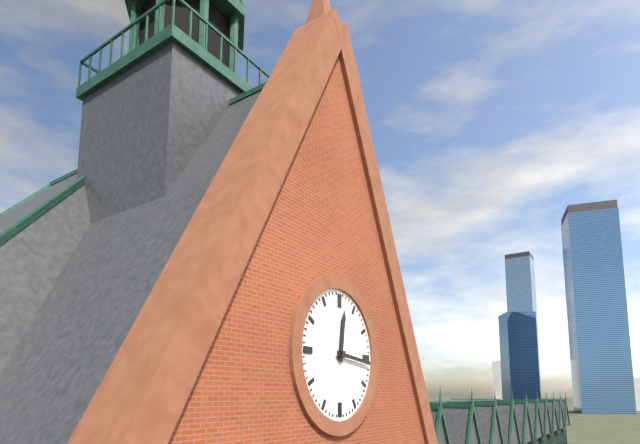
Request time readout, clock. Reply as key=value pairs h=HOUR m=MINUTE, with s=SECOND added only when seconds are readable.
h=12 m=16
